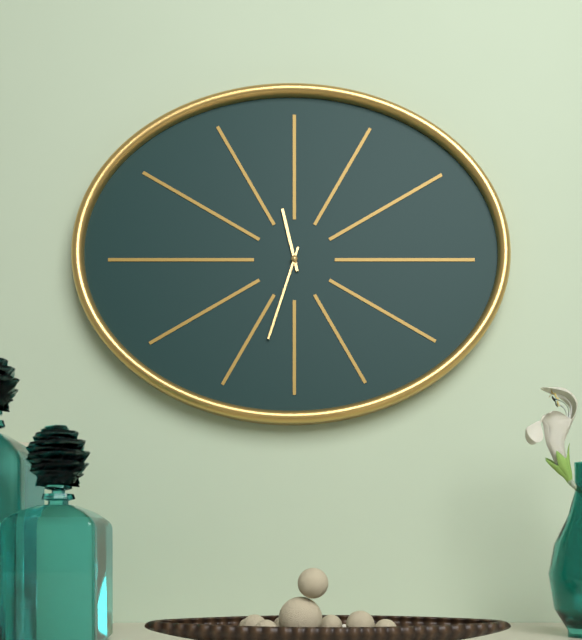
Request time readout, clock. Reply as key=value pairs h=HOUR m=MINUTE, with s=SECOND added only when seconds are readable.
h=11 m=33
